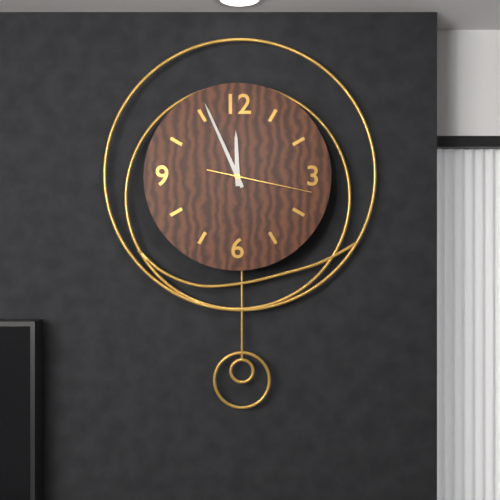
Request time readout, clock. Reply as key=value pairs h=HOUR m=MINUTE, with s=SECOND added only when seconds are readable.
h=11 m=56 s=17
